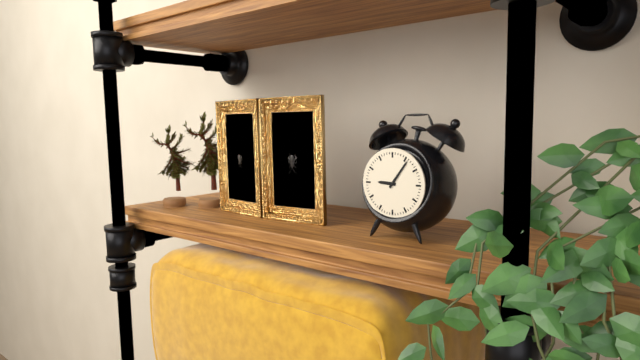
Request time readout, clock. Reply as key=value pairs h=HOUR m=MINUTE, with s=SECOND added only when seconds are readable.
h=9 m=6
